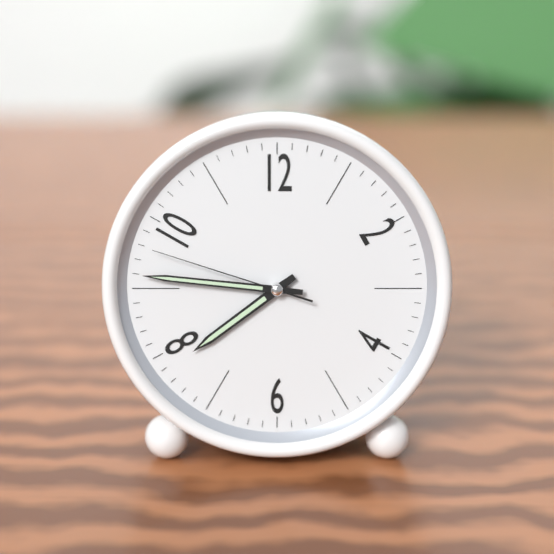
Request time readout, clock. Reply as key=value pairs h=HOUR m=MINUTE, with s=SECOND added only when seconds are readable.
h=7 m=46 s=48
